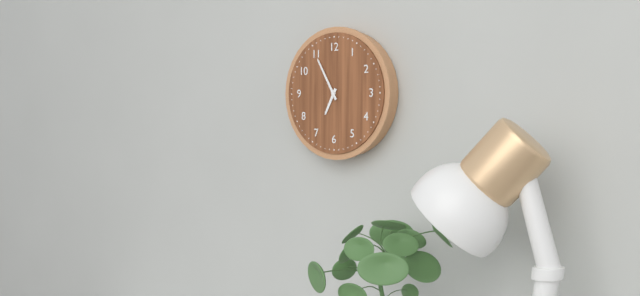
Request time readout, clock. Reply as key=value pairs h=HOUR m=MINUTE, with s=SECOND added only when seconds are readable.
h=6 m=55
